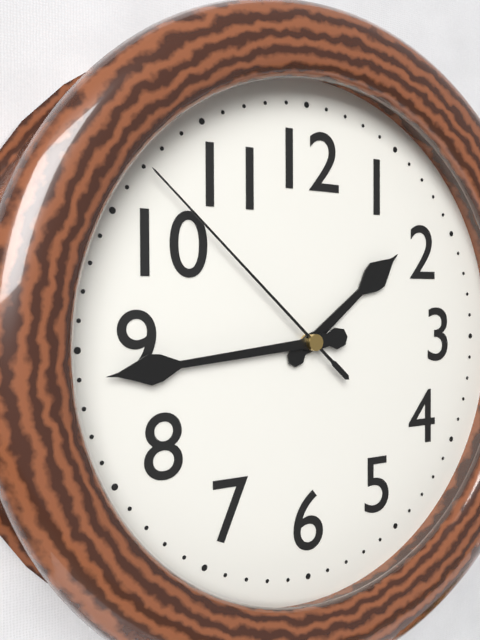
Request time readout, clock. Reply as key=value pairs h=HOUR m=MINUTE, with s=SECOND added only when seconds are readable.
h=1 m=44 s=52
